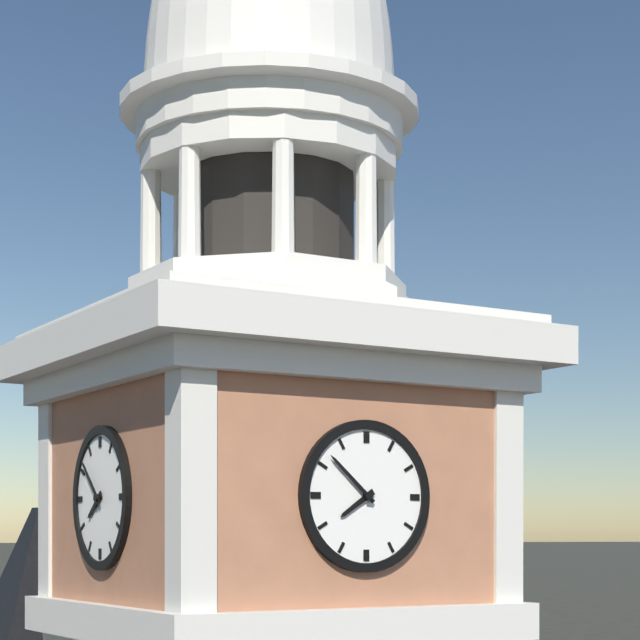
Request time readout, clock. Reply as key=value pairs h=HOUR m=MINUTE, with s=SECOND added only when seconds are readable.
h=7 m=52
